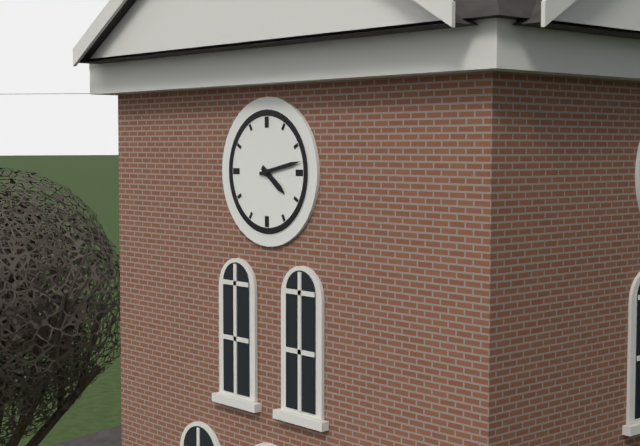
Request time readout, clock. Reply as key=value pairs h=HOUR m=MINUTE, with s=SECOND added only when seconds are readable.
h=4 m=13
